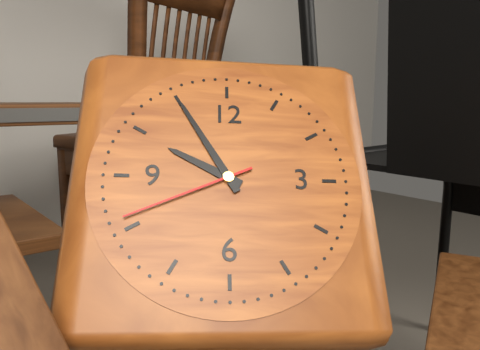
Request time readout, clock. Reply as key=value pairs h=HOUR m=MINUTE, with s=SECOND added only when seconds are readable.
h=9 m=55 s=41
